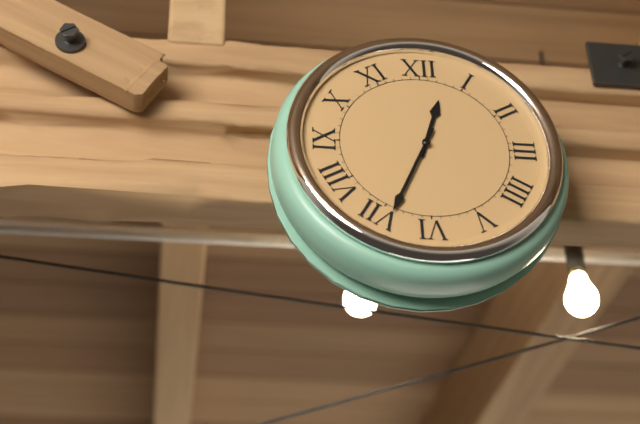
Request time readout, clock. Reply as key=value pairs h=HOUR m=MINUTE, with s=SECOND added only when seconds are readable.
h=12 m=34
